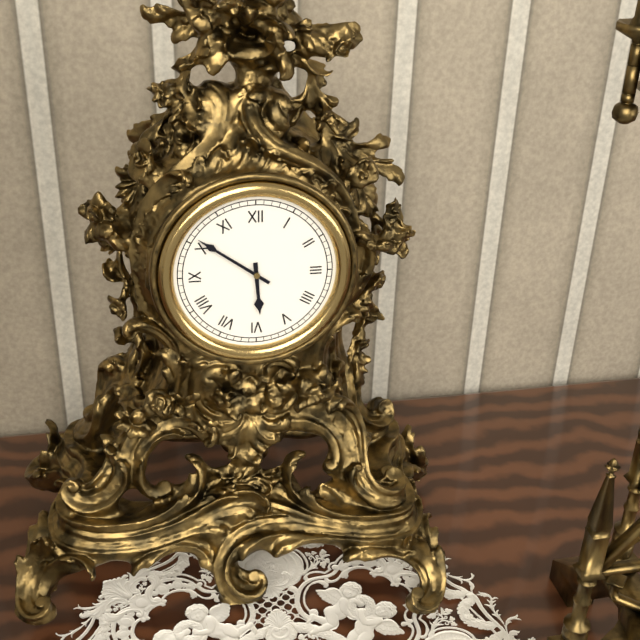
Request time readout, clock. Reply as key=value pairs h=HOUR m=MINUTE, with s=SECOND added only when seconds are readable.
h=5 m=51
